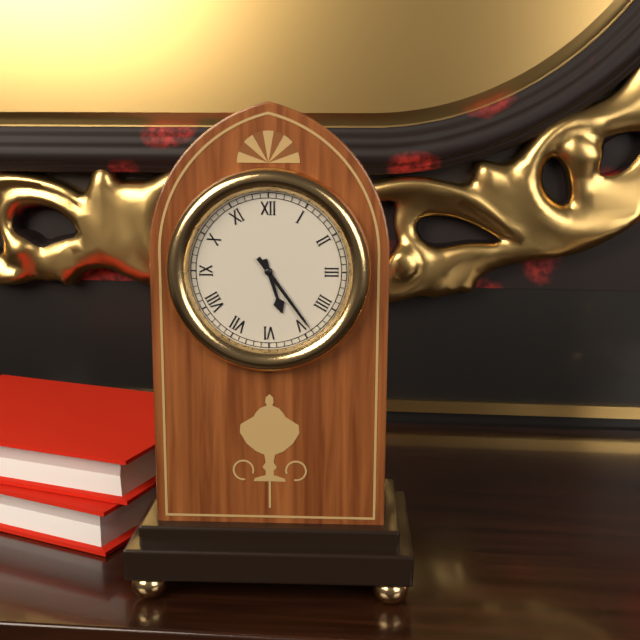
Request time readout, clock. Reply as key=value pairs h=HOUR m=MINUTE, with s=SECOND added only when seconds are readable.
h=5 m=24
